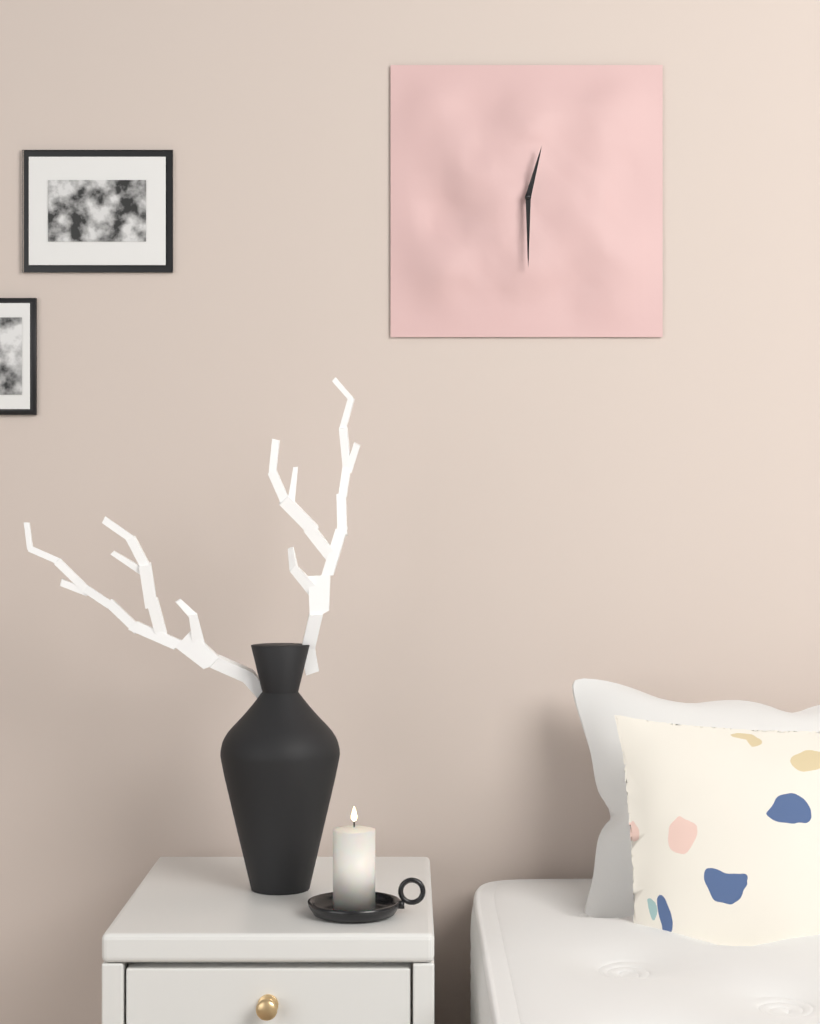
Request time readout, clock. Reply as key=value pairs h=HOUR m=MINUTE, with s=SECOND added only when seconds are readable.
h=12 m=30
